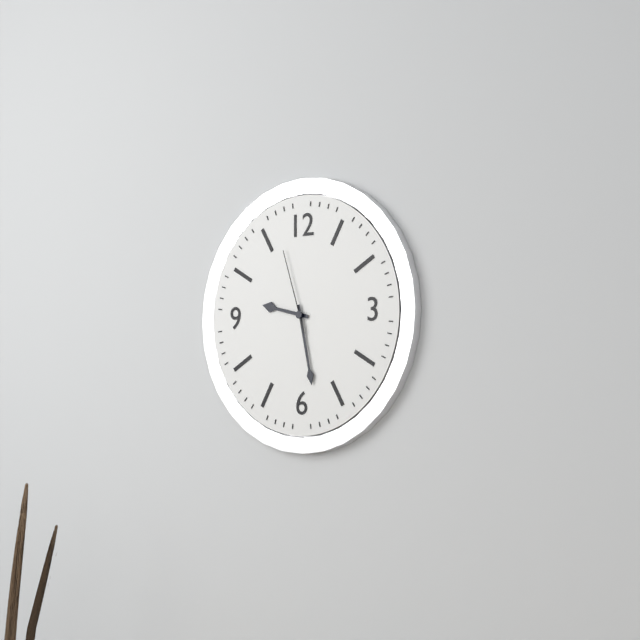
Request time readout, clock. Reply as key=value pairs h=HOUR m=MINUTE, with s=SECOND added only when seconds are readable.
h=9 m=28 s=57
